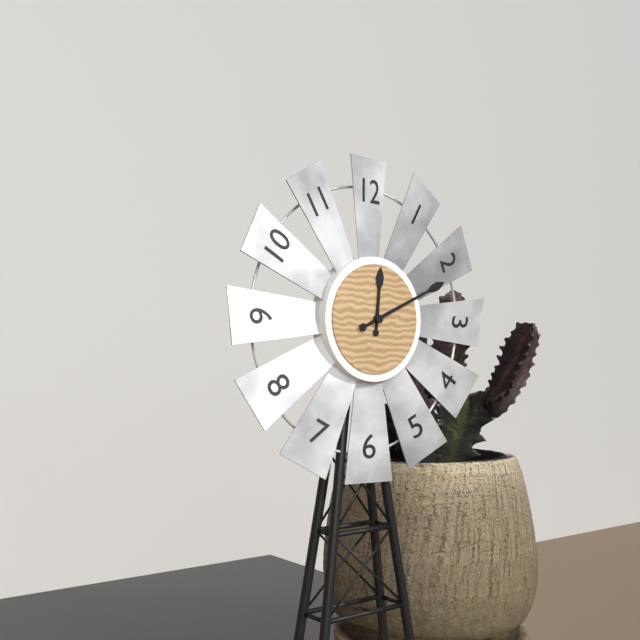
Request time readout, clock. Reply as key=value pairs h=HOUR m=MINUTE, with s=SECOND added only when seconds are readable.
h=12 m=11
